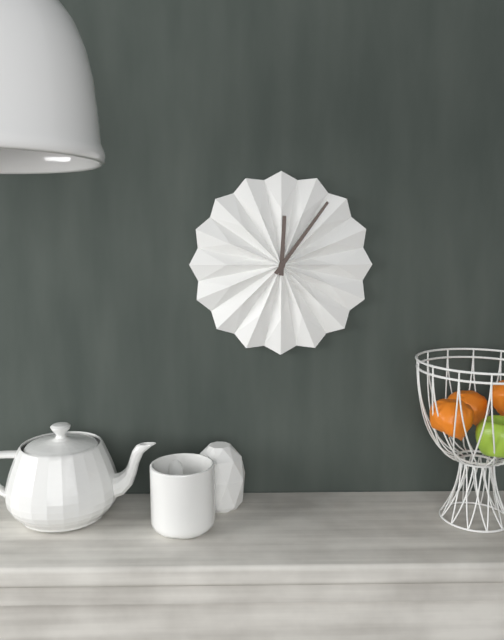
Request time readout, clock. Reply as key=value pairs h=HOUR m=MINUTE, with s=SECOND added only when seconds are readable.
h=12 m=6
